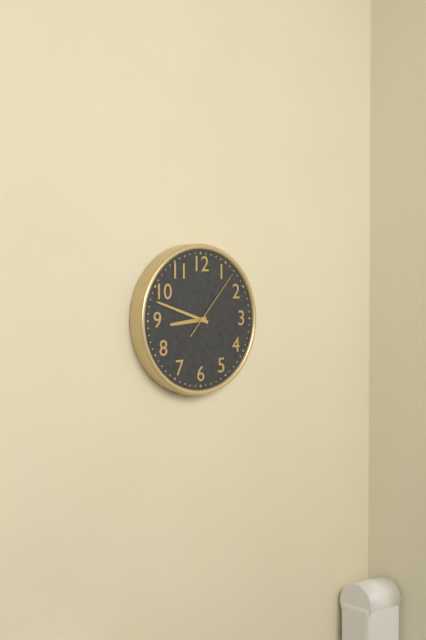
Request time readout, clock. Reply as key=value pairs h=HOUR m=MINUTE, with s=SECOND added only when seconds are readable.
h=8 m=48 s=7
